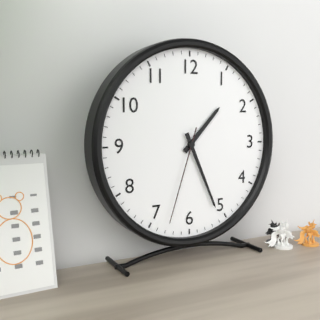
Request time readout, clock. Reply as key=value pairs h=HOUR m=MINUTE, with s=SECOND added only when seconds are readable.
h=1 m=26 s=33
